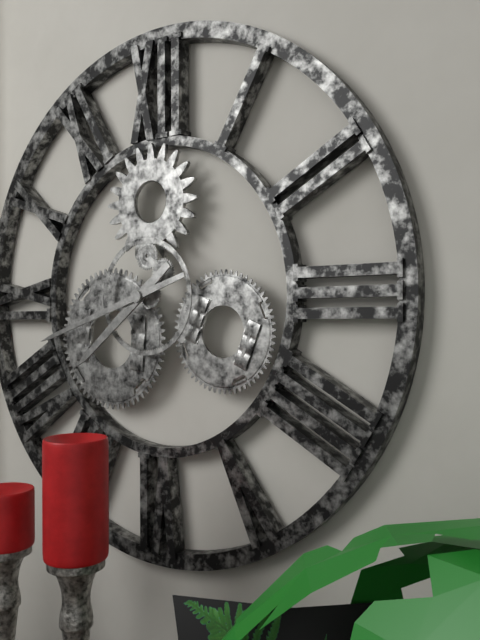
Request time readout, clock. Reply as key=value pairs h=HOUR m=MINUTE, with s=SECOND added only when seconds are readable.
h=7 m=42
